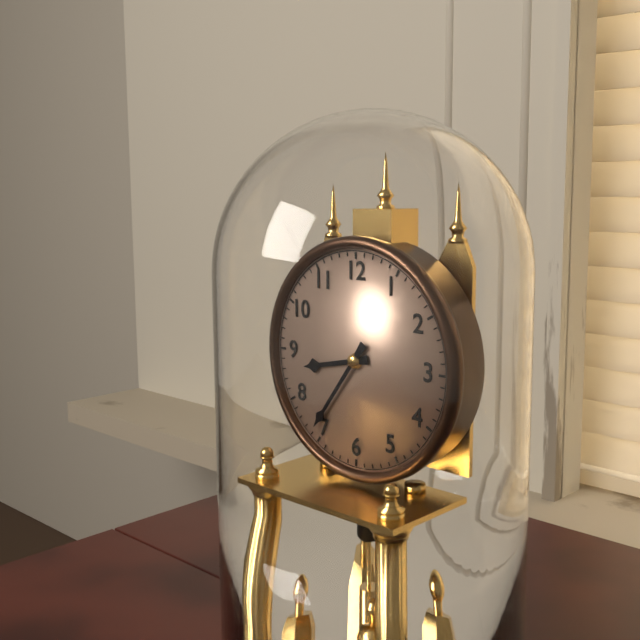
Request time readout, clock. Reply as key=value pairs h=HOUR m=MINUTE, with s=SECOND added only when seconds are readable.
h=8 m=36
